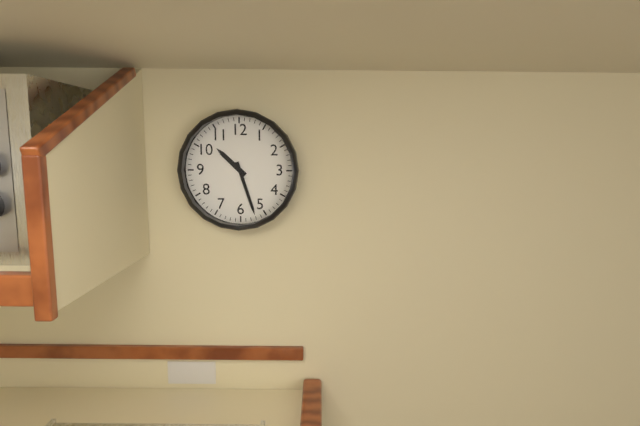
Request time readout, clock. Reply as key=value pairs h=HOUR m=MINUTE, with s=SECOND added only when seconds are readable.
h=10 m=27
